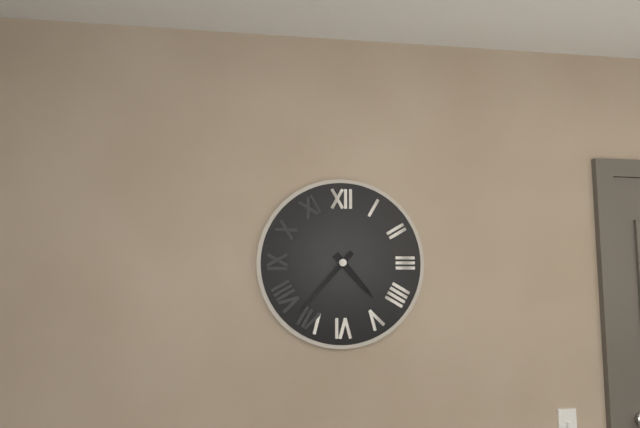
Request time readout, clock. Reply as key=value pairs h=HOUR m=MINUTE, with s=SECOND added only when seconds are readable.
h=4 m=37
